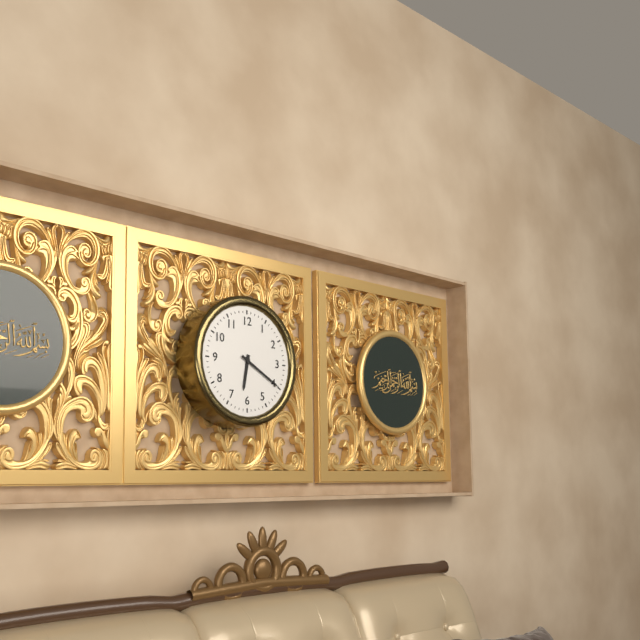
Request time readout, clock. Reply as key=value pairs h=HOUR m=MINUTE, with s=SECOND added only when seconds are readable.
h=6 m=20
